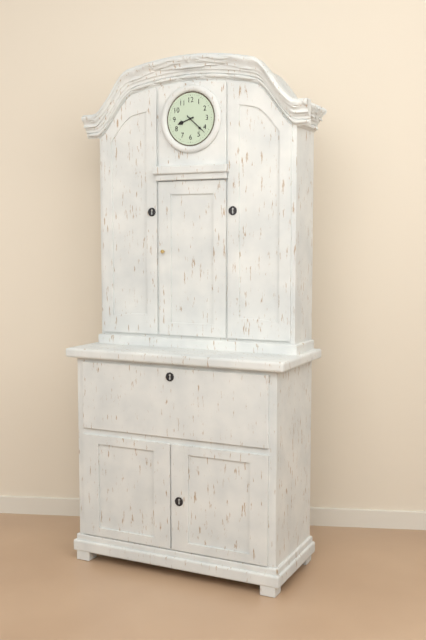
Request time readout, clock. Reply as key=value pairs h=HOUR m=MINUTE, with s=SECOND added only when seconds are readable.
h=8 m=22
